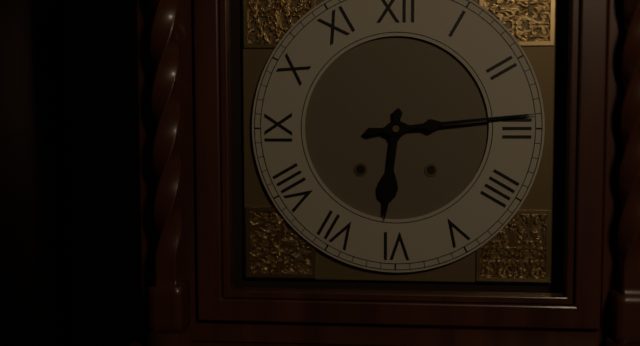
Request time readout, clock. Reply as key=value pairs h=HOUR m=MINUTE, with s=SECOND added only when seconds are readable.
h=6 m=14
